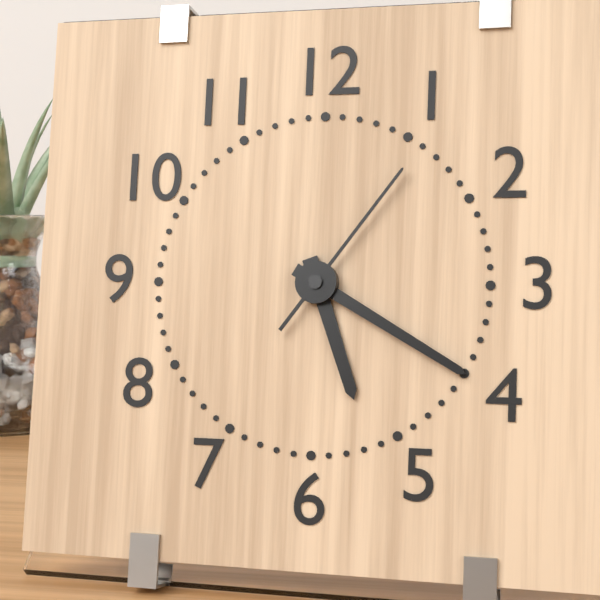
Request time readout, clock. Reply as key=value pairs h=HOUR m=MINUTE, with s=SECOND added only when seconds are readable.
h=5 m=20 s=6
